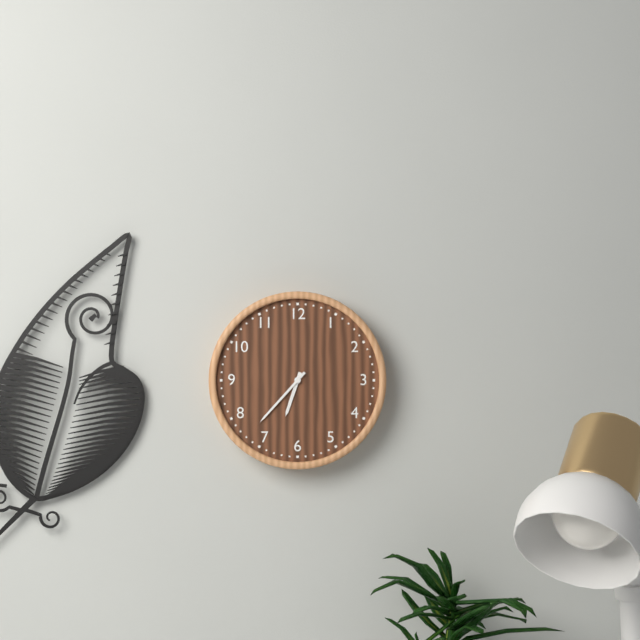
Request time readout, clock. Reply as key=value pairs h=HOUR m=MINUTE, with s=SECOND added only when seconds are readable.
h=6 m=37
